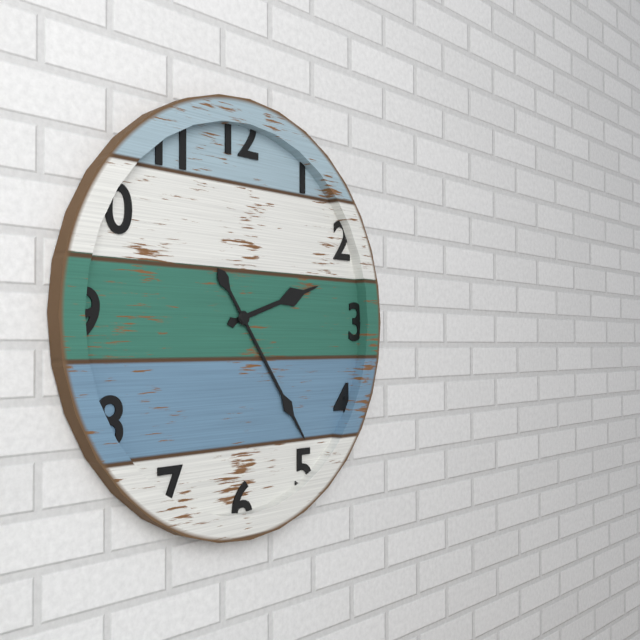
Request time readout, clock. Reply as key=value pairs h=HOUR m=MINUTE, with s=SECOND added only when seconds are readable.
h=2 m=24
